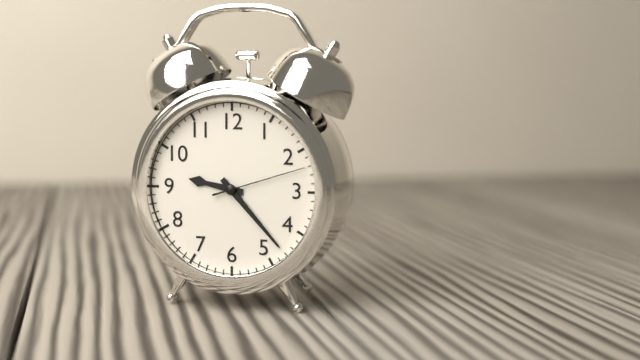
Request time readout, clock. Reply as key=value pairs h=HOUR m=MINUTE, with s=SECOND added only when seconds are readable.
h=9 m=23 s=12
